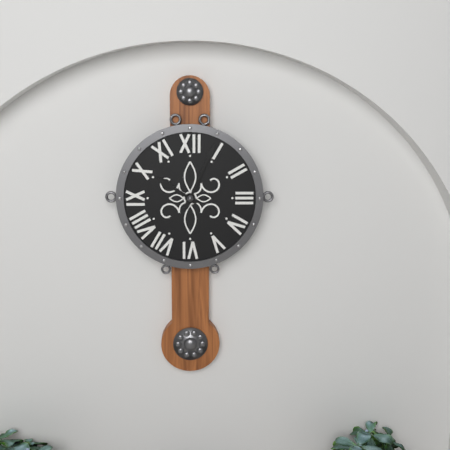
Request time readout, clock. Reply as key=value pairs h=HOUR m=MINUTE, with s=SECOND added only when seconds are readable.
h=10 m=4
